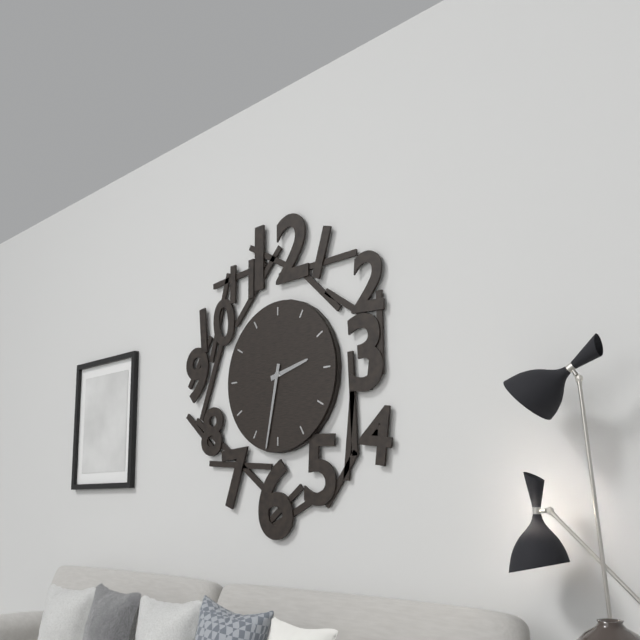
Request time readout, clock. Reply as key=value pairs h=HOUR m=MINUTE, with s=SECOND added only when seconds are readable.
h=2 m=32
